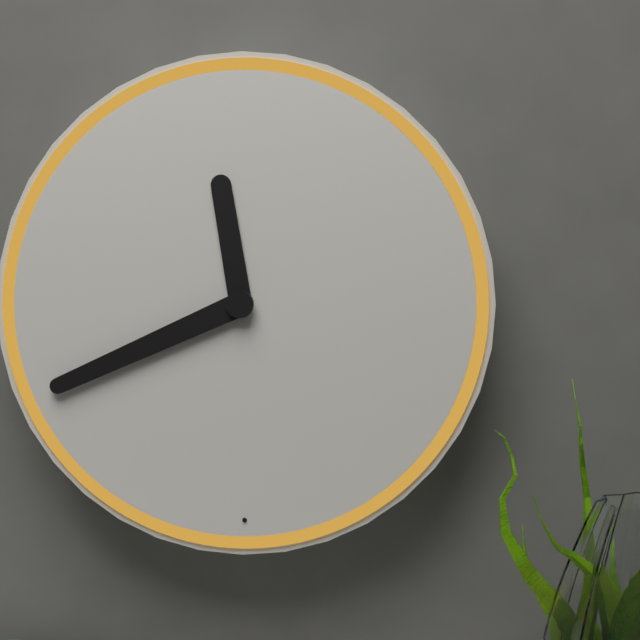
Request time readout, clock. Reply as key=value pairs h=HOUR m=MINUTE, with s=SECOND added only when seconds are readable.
h=11 m=41
